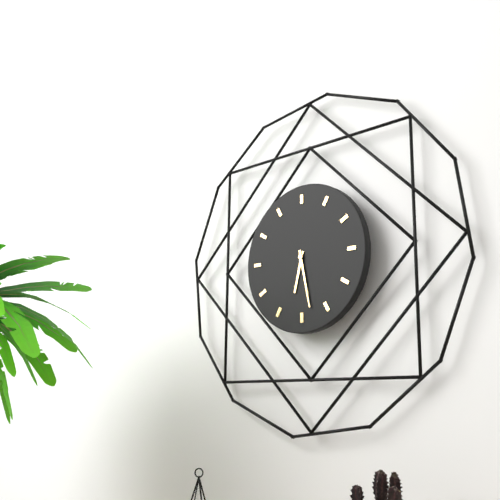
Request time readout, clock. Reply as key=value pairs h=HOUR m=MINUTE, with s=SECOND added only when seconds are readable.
h=6 m=28
